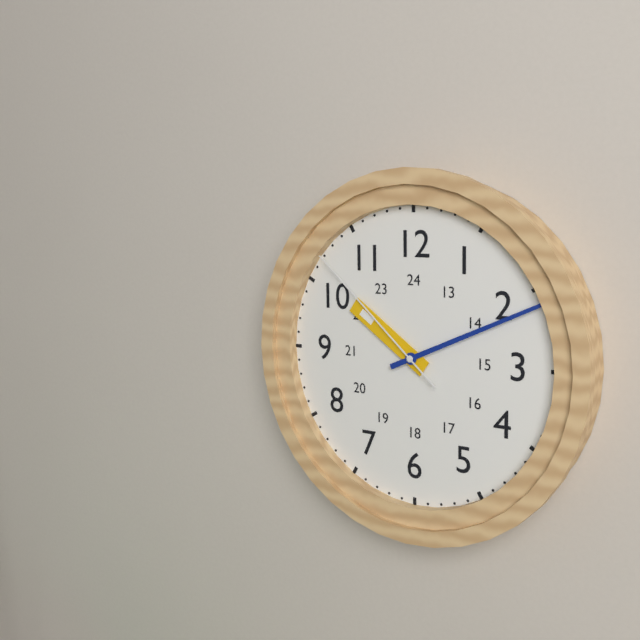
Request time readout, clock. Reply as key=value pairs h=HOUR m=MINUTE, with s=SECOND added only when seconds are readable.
h=10 m=11 s=52
